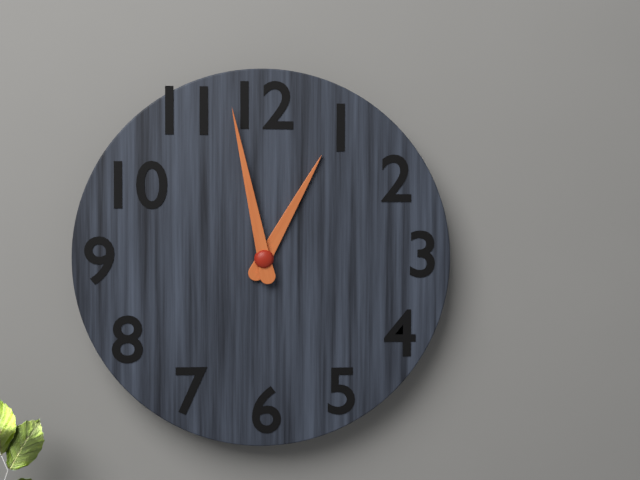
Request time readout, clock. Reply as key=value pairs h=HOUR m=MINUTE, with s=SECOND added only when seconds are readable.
h=12 m=58
